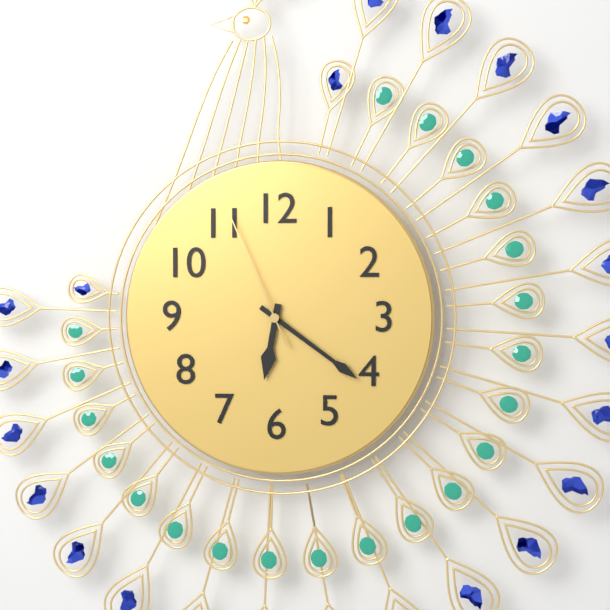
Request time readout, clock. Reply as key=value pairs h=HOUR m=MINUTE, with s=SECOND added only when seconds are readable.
h=6 m=21 s=56
